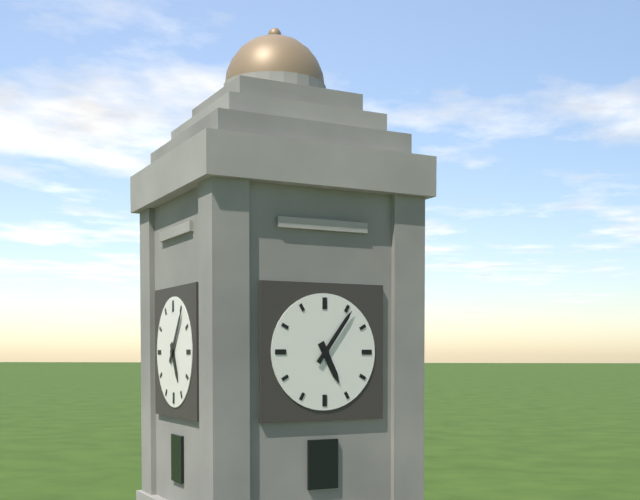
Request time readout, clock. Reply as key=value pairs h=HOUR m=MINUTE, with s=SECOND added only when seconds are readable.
h=5 m=6
